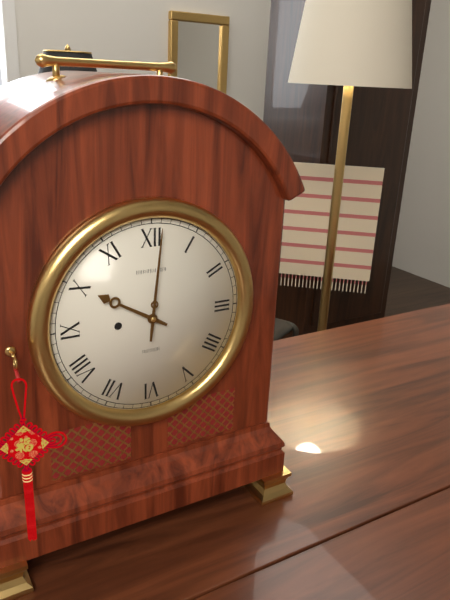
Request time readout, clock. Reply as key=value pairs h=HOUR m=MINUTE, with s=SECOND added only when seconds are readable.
h=10 m=1
